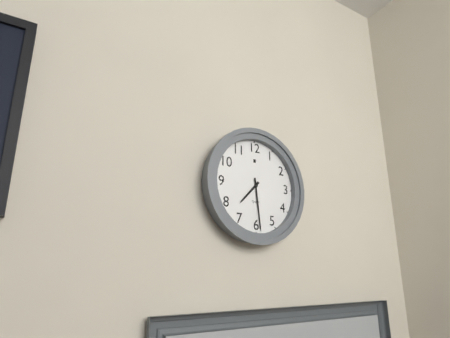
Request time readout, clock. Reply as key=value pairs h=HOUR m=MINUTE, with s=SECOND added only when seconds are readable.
h=7 m=29
